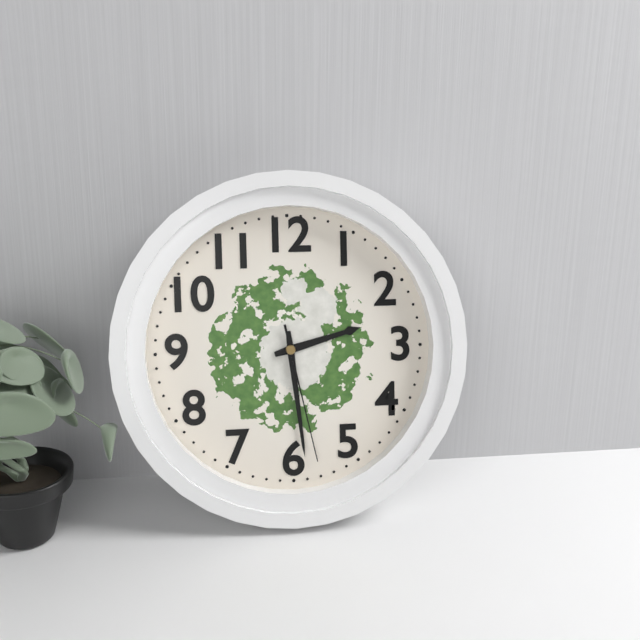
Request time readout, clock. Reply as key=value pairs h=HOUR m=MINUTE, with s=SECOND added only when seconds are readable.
h=2 m=29 s=28
